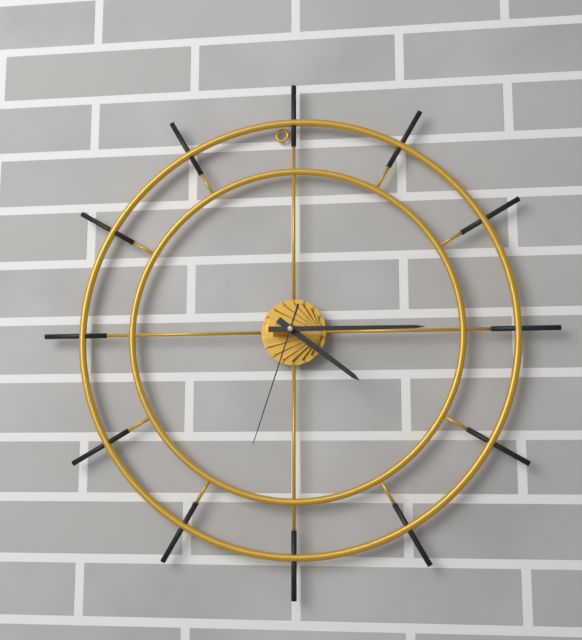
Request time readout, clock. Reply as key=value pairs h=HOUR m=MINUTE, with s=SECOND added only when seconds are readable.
h=4 m=15 s=33
